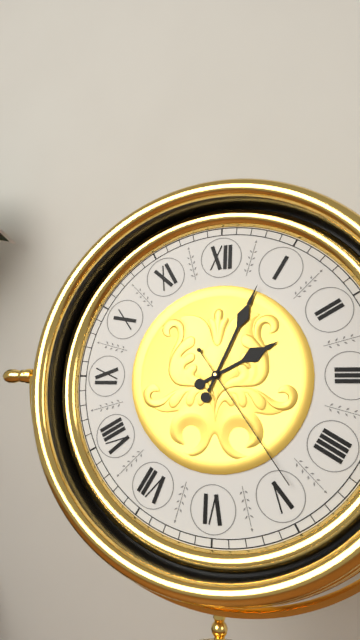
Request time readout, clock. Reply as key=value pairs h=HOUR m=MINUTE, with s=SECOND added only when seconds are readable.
h=2 m=4 s=24
